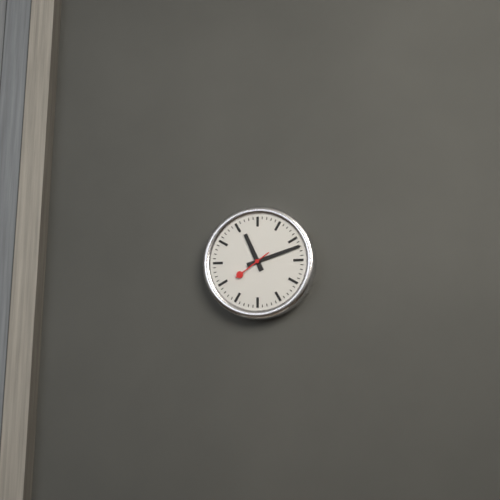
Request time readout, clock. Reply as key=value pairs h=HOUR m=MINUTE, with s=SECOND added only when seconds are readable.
h=11 m=12
